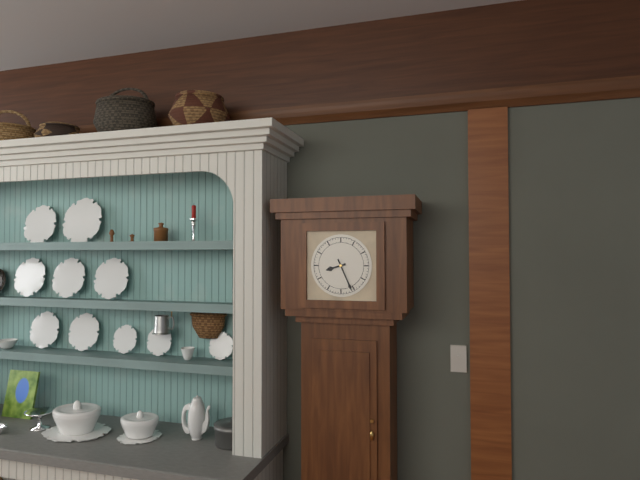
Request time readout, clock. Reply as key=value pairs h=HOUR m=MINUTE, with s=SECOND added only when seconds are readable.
h=8 m=26
